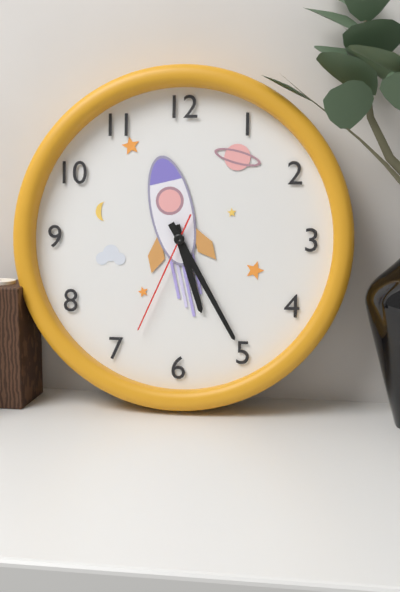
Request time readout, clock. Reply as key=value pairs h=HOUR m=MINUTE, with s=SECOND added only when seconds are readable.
h=5 m=25 s=34
